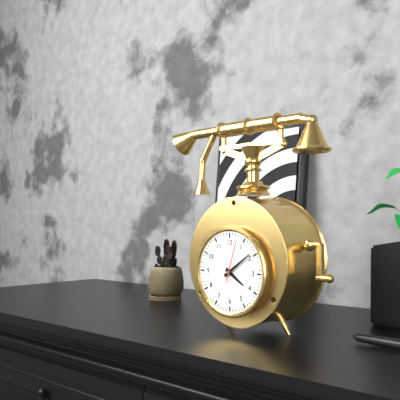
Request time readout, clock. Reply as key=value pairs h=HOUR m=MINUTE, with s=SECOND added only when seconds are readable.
h=4 m=9
